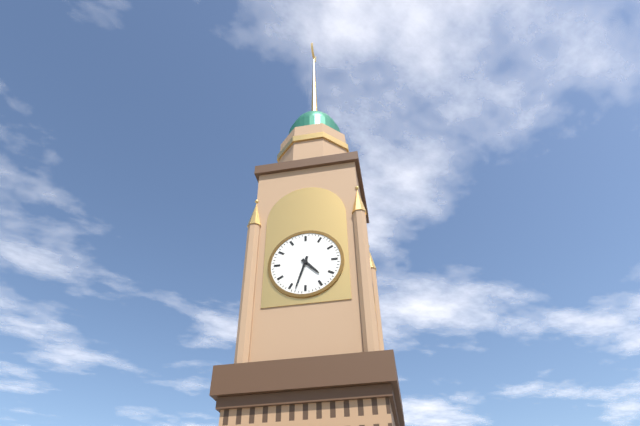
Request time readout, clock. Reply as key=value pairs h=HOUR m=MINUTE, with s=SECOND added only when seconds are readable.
h=4 m=33
